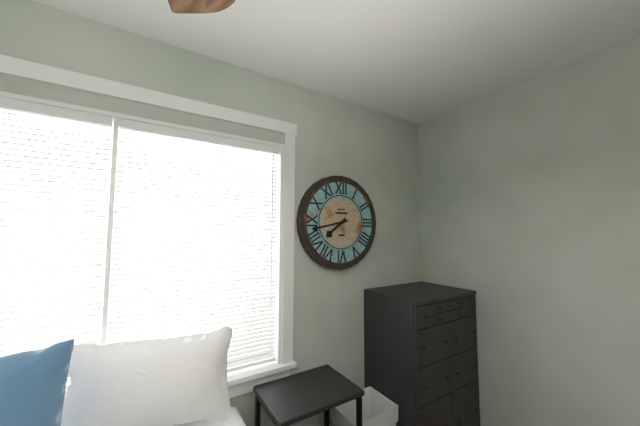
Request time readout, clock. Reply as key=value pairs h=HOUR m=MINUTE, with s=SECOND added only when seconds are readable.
h=7 m=43
